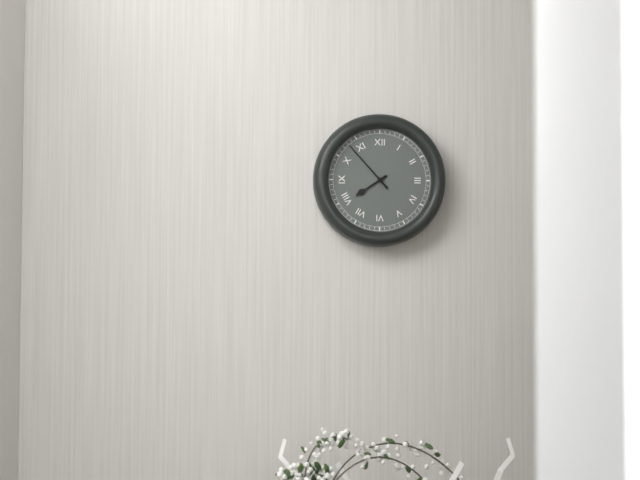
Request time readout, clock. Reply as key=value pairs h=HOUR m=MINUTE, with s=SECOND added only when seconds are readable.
h=7 m=53
